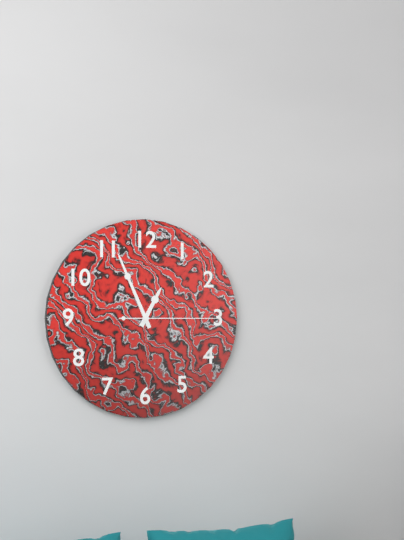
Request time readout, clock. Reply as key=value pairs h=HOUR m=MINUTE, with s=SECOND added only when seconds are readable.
h=12 m=56 s=15
